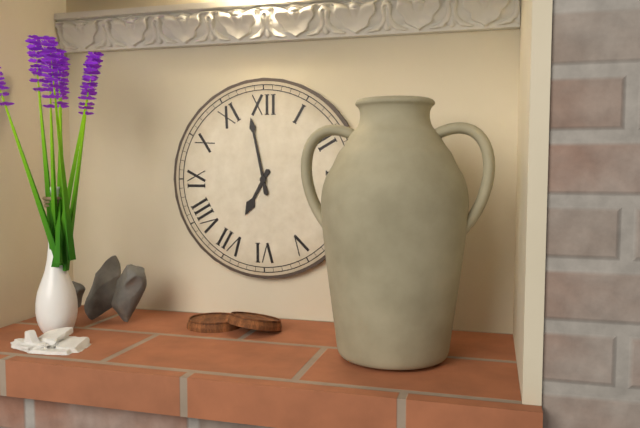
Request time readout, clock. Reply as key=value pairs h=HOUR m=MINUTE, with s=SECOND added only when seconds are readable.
h=6 m=58
